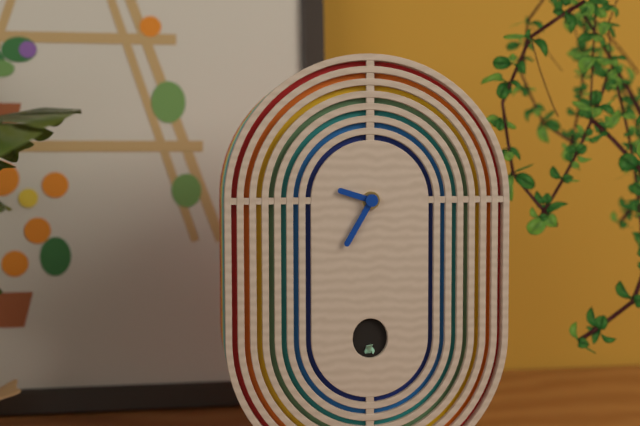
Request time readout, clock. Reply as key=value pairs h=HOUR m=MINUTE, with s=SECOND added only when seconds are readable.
h=9 m=35
